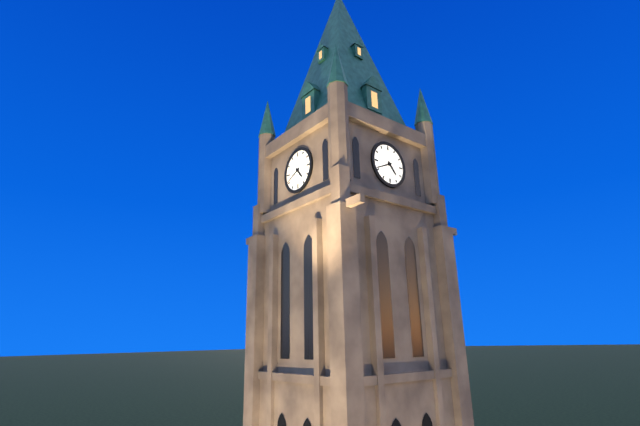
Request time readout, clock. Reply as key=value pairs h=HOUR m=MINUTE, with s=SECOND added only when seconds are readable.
h=4 m=41
